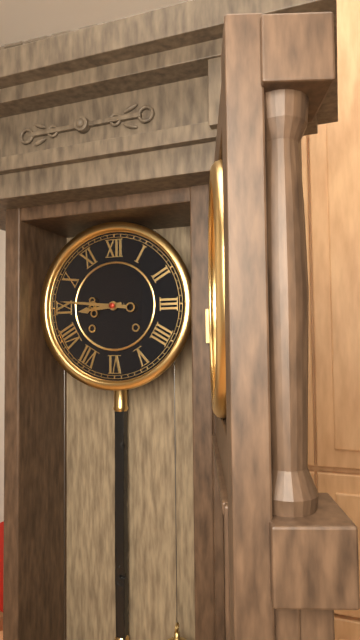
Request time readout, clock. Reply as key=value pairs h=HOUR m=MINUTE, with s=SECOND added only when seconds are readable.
h=8 m=46
